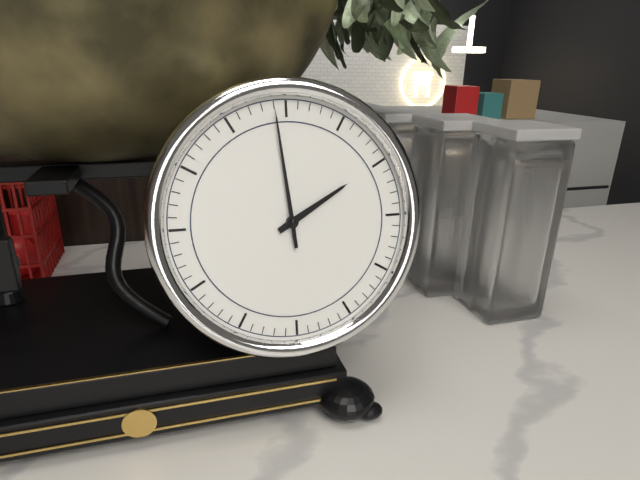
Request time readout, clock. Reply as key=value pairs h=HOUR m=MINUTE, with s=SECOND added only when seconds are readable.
h=1 m=59
